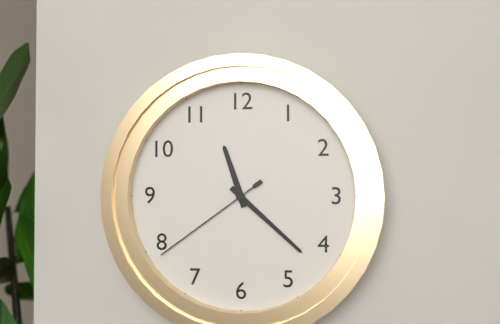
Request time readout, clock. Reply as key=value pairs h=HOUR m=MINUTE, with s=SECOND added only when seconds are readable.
h=11 m=22 s=39
